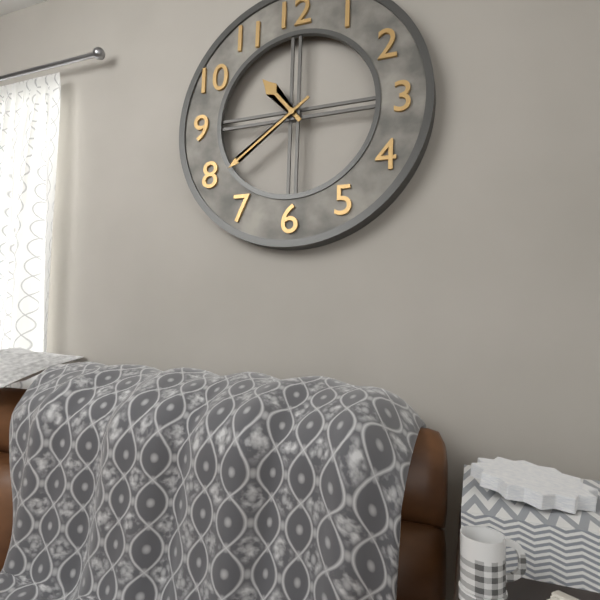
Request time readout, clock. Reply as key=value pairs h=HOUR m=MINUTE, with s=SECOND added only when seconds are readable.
h=10 m=39
